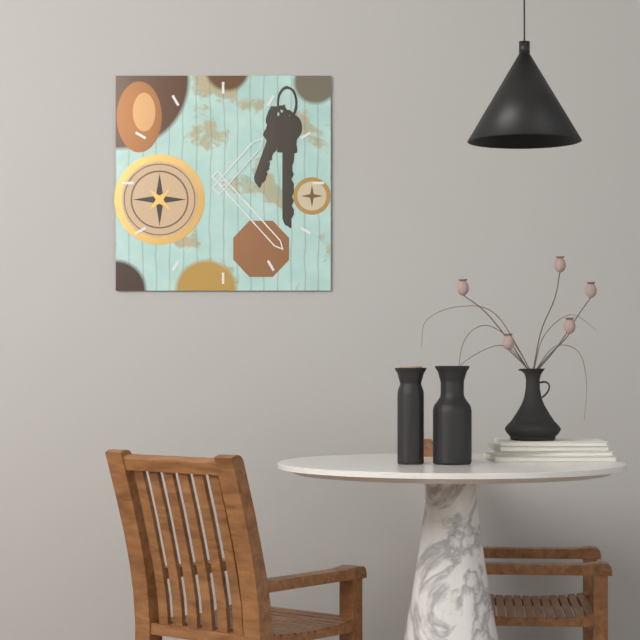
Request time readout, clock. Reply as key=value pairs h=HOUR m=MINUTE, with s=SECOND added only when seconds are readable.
h=1 m=23
